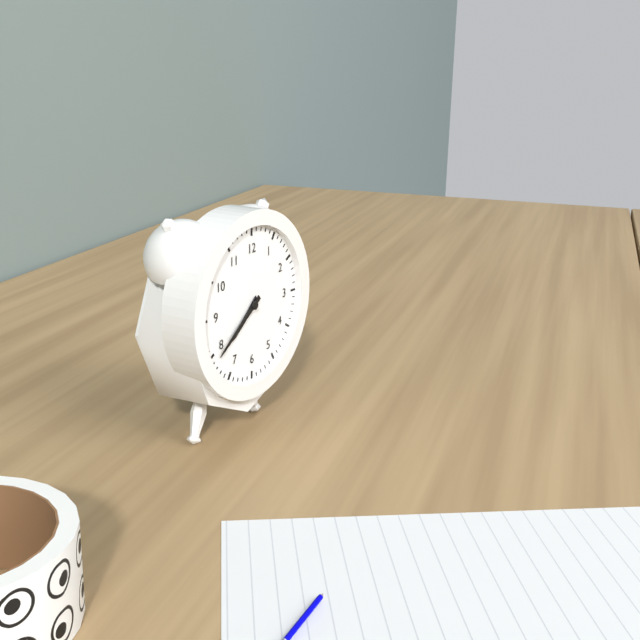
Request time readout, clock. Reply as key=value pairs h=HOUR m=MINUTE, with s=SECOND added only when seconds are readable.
h=7 m=39
